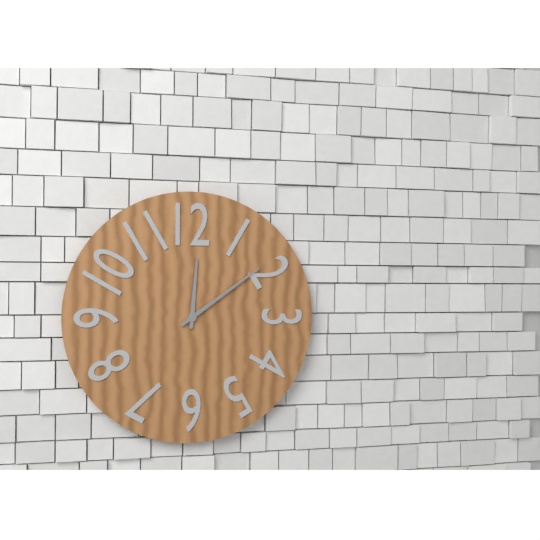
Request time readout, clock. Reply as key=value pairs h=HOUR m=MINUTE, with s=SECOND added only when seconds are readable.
h=12 m=9
